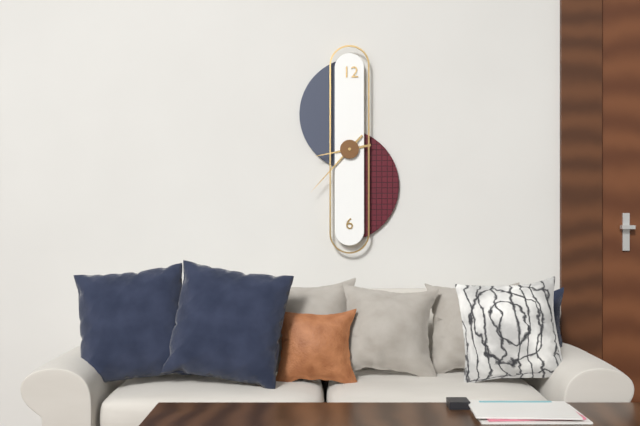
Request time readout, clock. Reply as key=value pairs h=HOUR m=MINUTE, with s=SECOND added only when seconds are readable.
h=8 m=37
